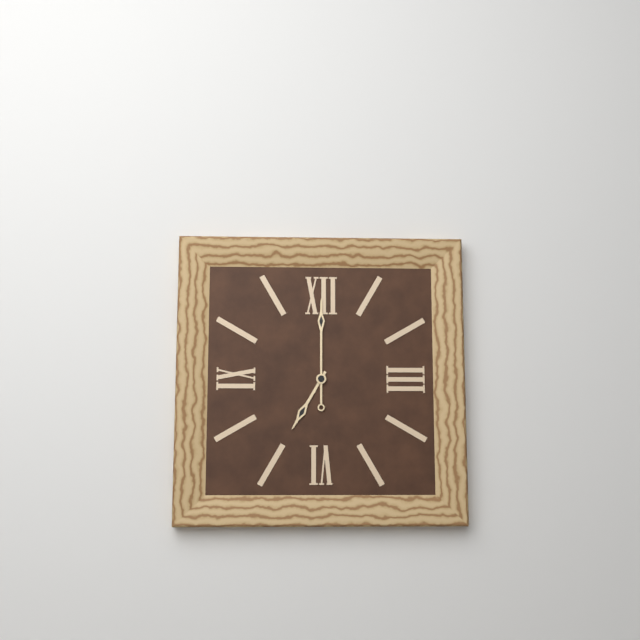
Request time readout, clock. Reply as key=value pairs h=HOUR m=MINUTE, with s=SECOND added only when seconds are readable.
h=7 m=0
